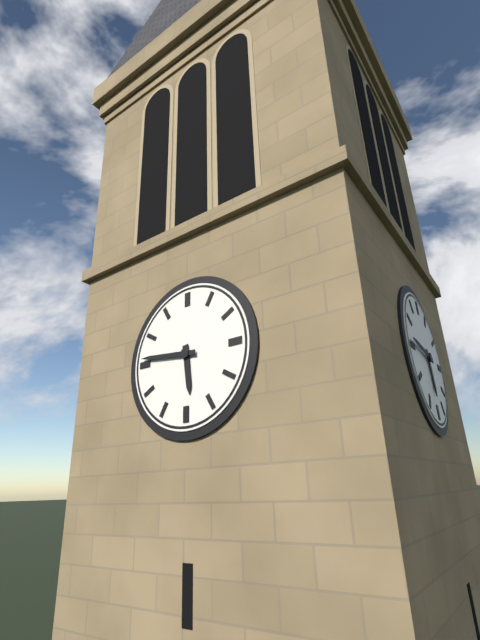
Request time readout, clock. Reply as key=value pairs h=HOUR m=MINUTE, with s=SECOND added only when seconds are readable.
h=5 m=46
